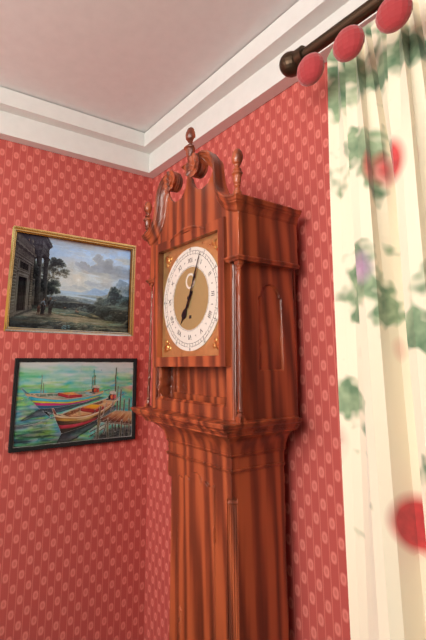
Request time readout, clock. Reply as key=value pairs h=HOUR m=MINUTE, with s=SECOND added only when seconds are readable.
h=7 m=4
